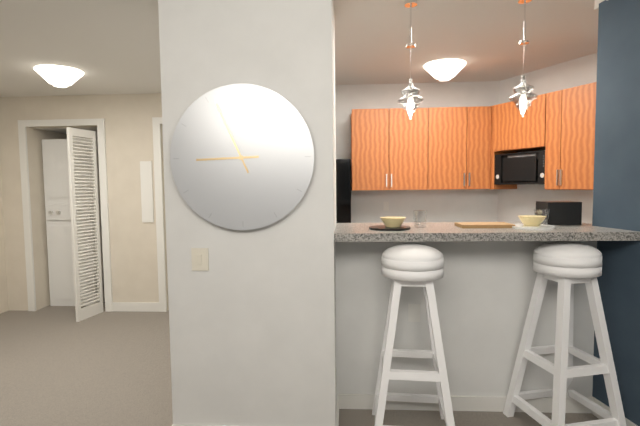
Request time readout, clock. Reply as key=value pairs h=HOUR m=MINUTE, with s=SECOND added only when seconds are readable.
h=8 m=56
